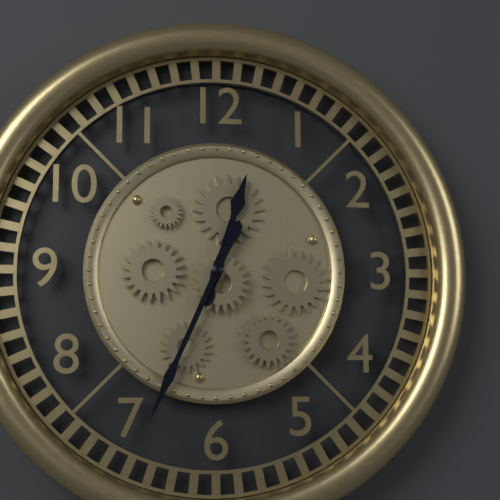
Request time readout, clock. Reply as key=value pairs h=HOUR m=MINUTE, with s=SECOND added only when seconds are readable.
h=12 m=34
